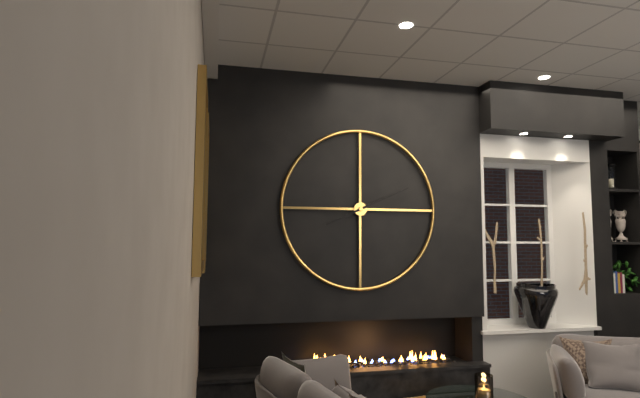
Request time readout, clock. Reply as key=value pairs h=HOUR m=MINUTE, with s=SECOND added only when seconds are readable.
h=8 m=11
